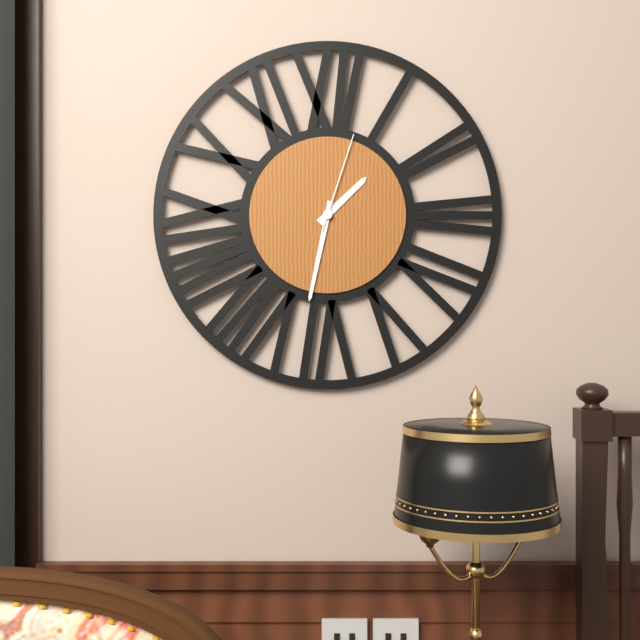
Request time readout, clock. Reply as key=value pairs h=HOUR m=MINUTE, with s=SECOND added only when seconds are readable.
h=1 m=32 s=3
